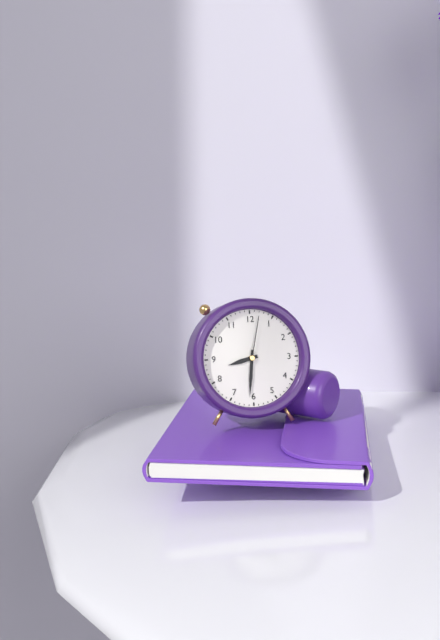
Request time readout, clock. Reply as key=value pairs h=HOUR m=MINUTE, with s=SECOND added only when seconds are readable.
h=8 m=31 s=2
